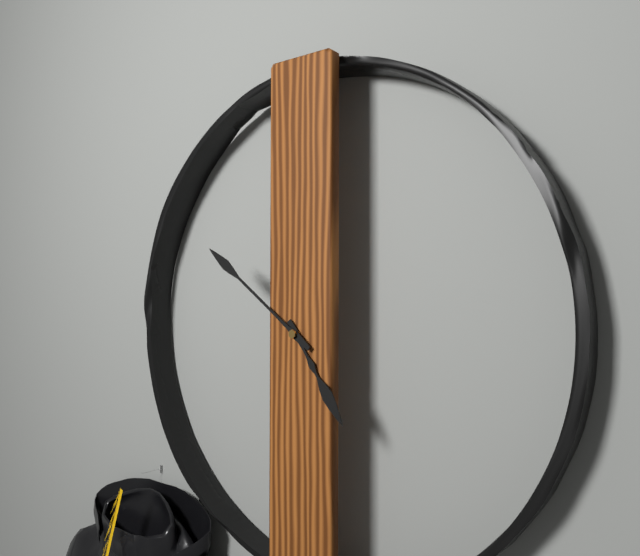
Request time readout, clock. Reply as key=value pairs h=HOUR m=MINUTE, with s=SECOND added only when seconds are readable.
h=4 m=51
